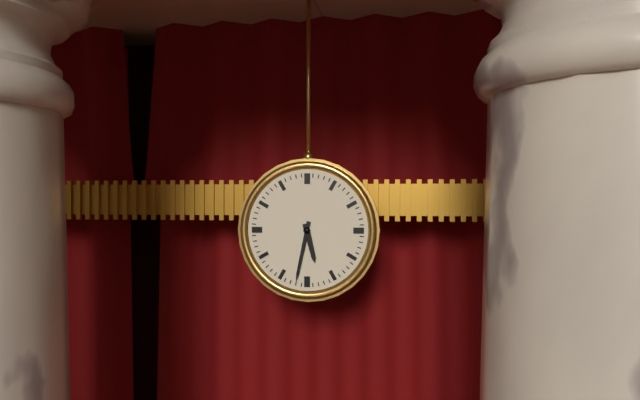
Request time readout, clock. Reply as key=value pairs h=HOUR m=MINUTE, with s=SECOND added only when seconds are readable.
h=5 m=32
